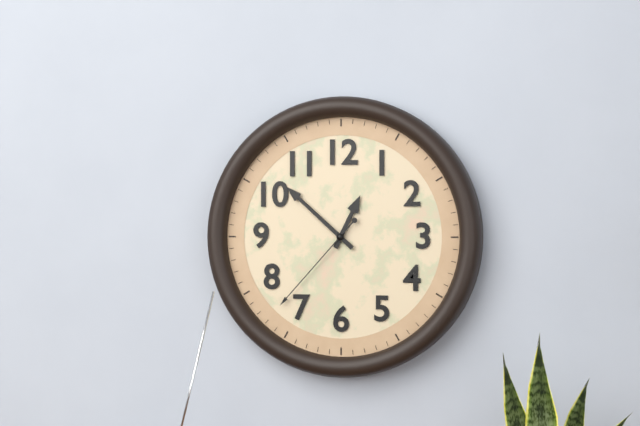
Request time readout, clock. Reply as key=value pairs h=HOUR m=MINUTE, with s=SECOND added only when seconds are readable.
h=12 m=52 s=37
